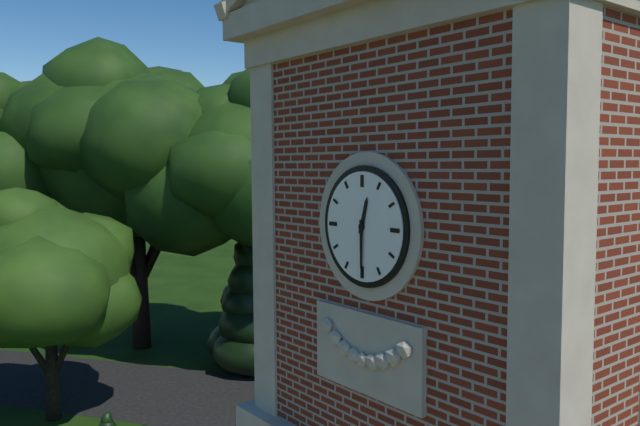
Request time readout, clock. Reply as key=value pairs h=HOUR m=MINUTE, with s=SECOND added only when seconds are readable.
h=12 m=30
